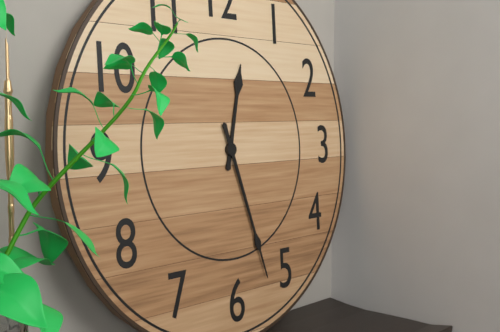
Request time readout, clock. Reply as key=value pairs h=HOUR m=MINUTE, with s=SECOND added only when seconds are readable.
h=12 m=27
